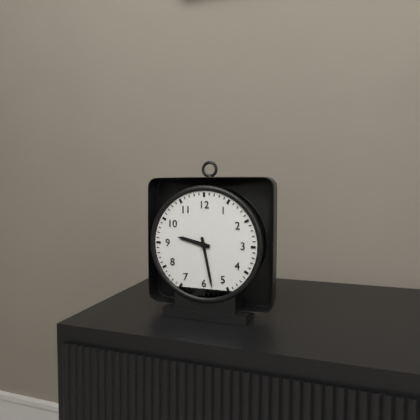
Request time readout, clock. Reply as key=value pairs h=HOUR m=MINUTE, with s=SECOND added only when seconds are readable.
h=9 m=28
